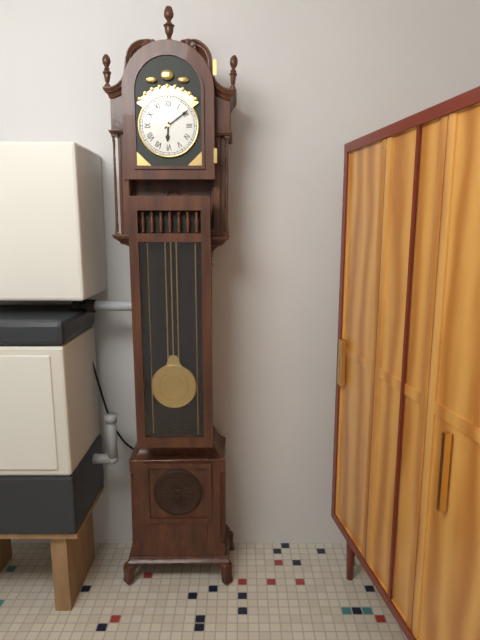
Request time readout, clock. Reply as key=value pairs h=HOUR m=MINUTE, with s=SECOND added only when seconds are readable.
h=6 m=9
